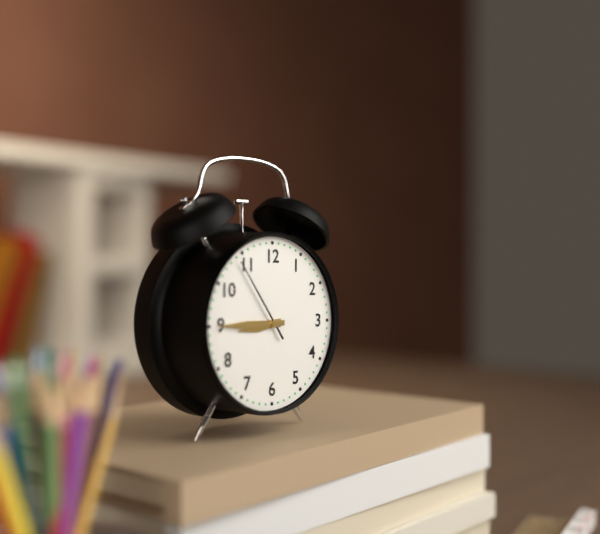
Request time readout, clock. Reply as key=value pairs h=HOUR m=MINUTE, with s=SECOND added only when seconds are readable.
h=8 m=45 s=54
